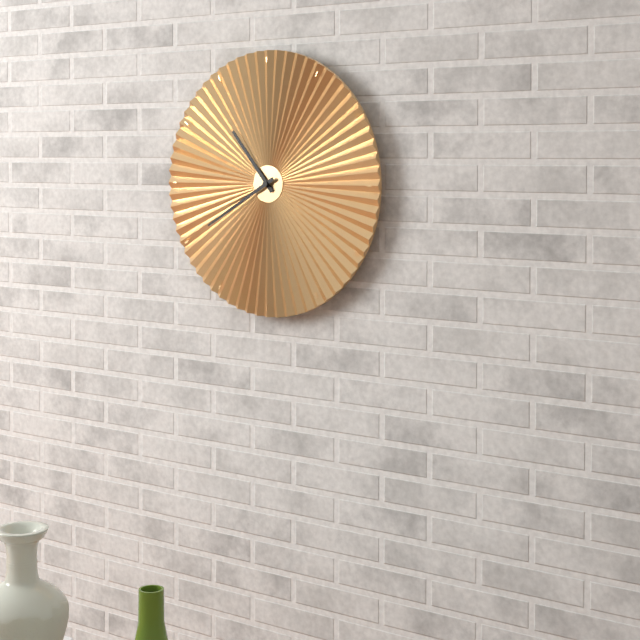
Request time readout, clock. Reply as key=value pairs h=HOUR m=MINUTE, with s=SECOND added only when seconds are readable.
h=10 m=40
